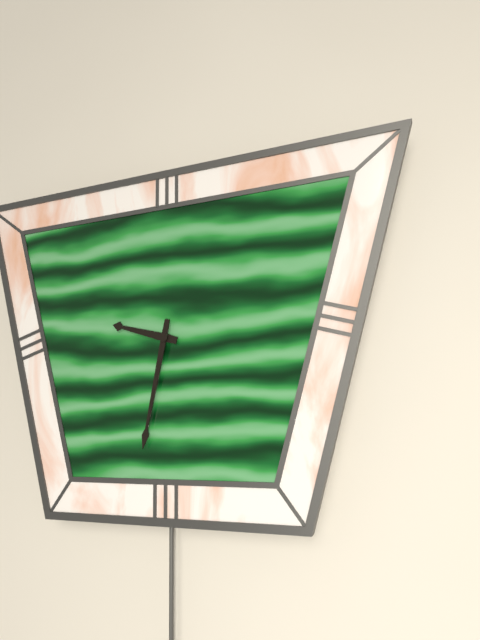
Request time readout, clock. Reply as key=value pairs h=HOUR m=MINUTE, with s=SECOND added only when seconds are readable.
h=9 m=32
